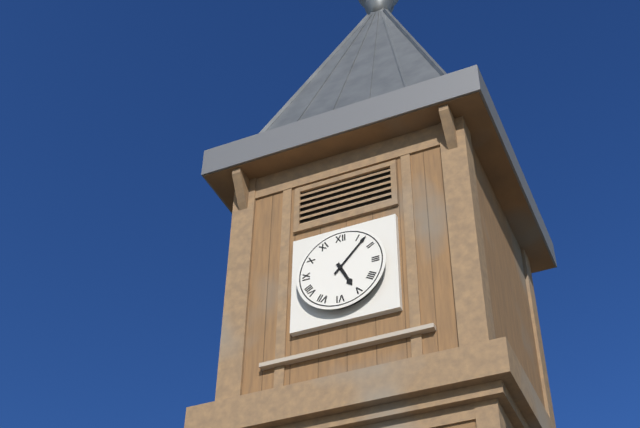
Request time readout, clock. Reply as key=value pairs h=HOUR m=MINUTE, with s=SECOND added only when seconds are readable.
h=5 m=7
